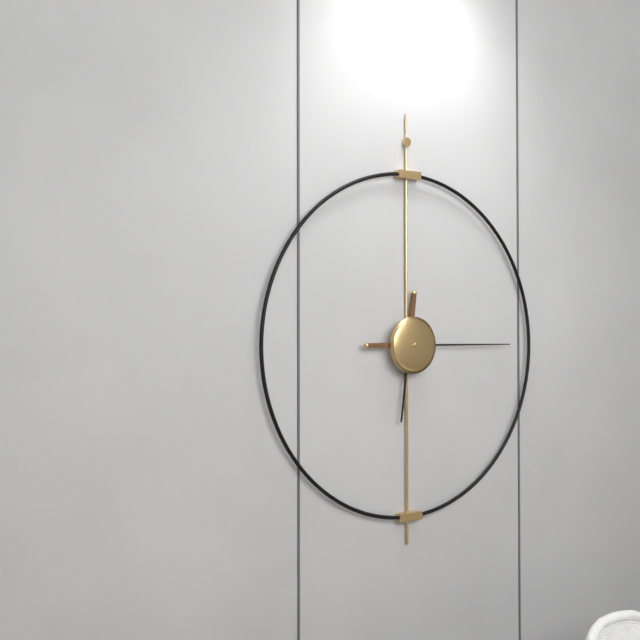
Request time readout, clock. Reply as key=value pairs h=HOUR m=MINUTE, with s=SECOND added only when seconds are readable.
h=6 m=15
